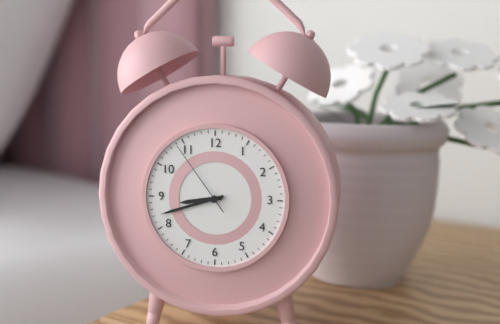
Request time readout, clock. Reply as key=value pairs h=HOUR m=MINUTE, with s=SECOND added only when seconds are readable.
h=8 m=42 s=54
